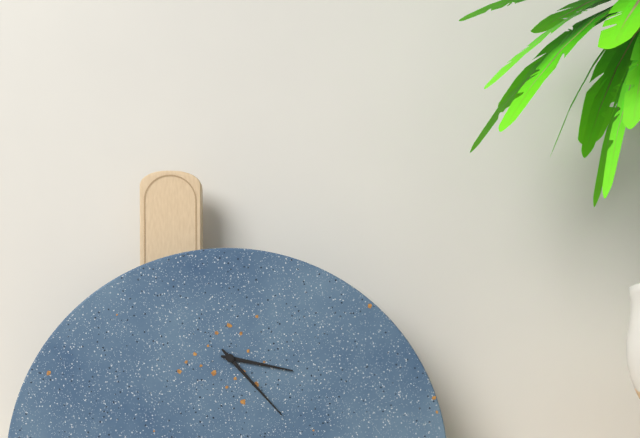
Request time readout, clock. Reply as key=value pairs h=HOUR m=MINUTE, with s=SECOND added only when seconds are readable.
h=3 m=23
